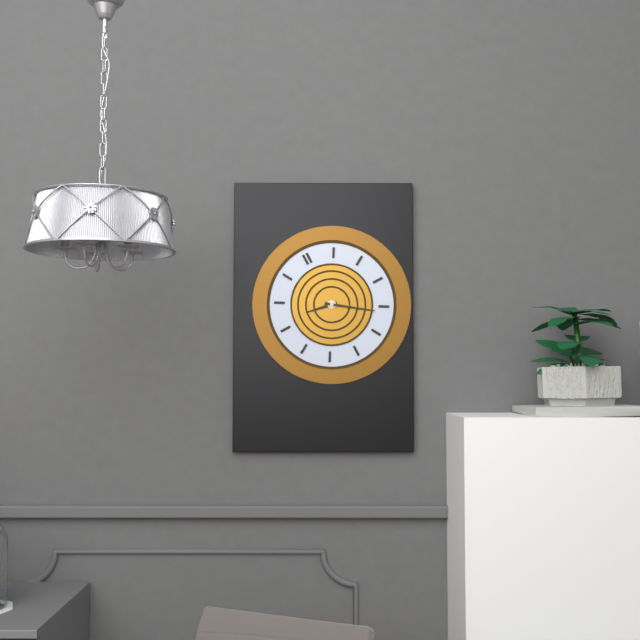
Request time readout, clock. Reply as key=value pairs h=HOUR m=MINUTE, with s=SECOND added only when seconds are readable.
h=9 m=21
